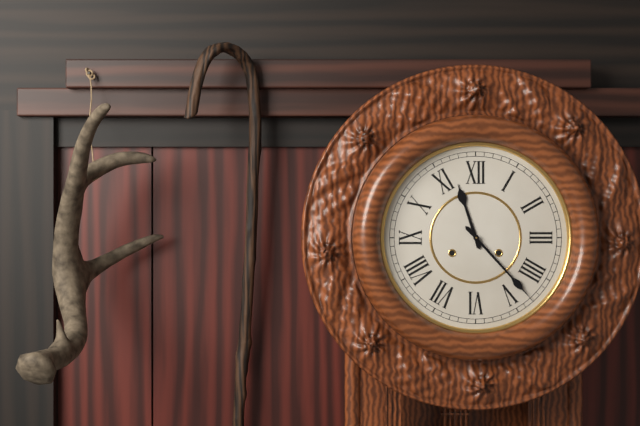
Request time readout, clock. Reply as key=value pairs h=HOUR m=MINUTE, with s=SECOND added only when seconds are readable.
h=11 m=23
